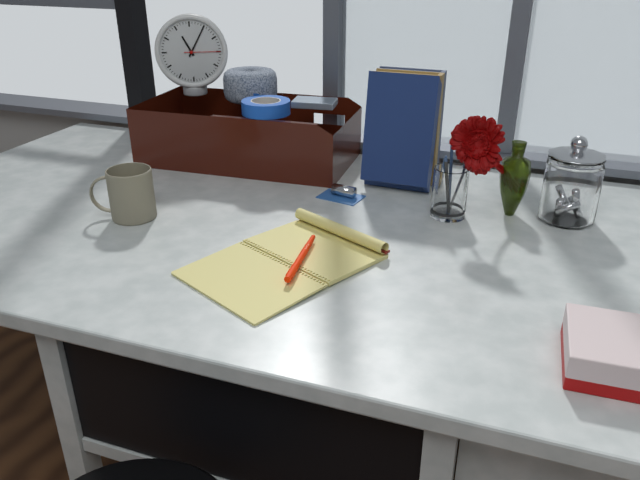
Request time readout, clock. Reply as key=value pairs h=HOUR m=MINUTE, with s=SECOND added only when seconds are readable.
h=11 m=5
